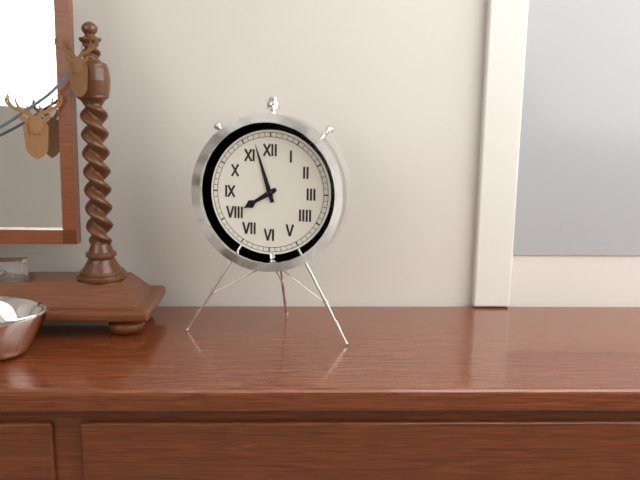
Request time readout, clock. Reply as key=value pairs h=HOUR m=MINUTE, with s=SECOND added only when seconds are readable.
h=7 m=57
